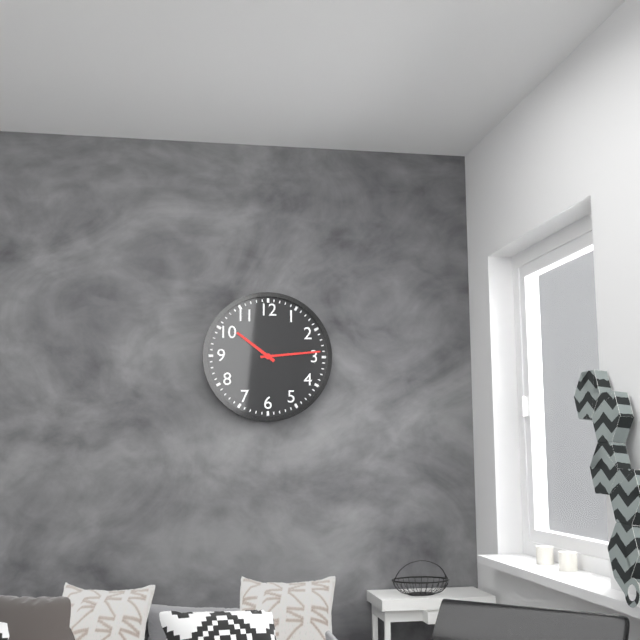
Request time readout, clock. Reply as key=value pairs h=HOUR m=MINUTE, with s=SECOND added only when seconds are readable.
h=10 m=14
